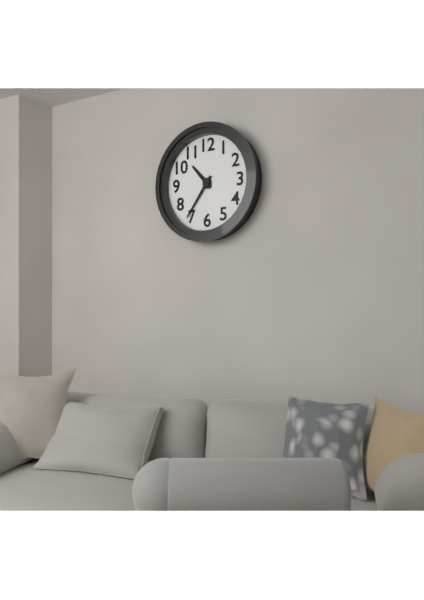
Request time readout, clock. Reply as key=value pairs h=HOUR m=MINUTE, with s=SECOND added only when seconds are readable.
h=10 m=36
